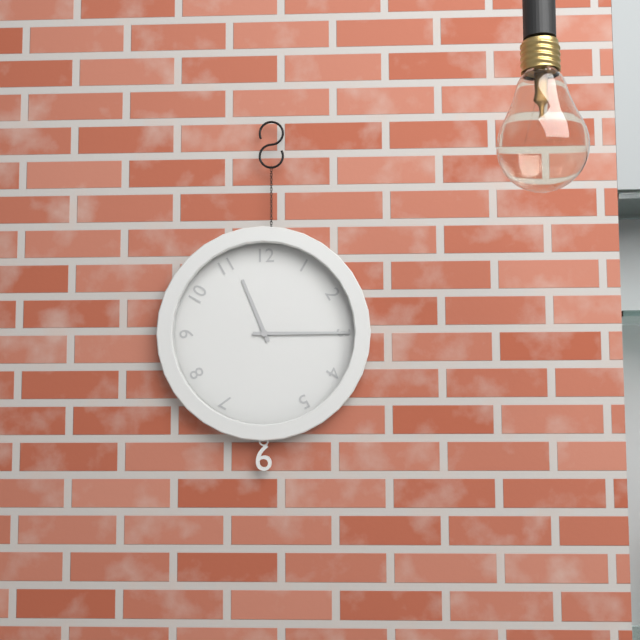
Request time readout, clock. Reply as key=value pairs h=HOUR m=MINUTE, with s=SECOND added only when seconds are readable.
h=11 m=15
